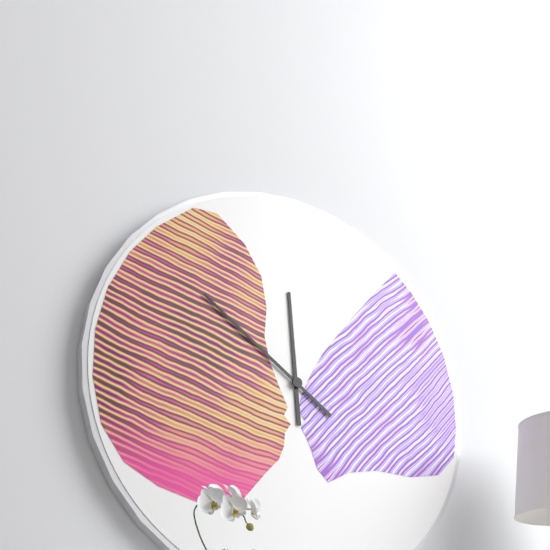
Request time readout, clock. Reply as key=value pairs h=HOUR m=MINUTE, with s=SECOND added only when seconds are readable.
h=11 m=51
